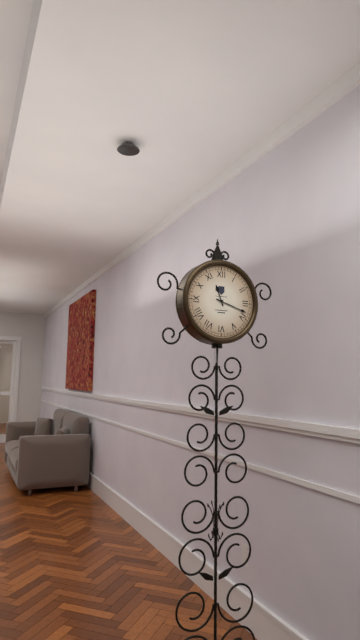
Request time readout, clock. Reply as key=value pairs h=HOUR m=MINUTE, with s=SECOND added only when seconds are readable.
h=11 m=18
